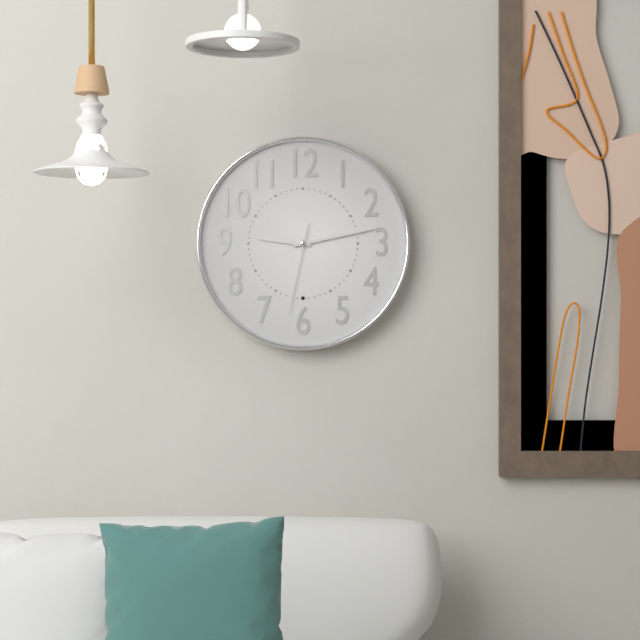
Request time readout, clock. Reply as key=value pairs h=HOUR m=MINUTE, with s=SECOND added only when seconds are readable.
h=9 m=13 s=32
